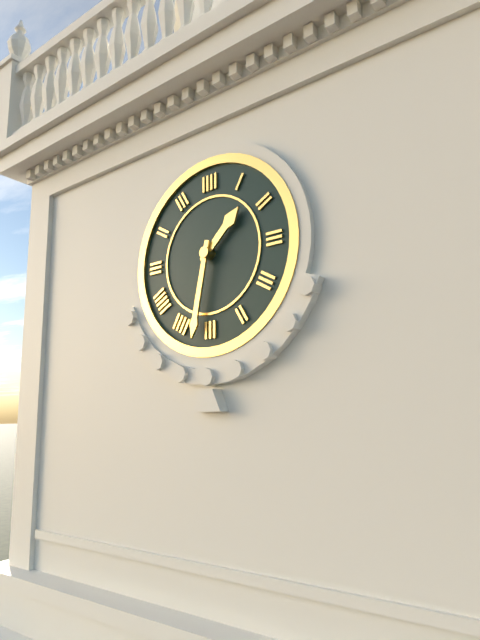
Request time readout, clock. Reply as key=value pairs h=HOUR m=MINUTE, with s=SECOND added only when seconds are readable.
h=1 m=32
